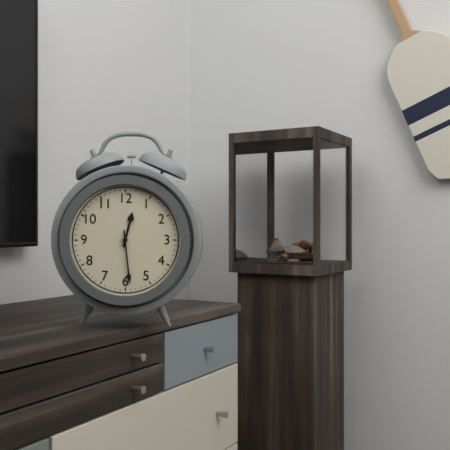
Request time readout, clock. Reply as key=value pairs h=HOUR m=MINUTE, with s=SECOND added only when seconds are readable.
h=12 m=29
